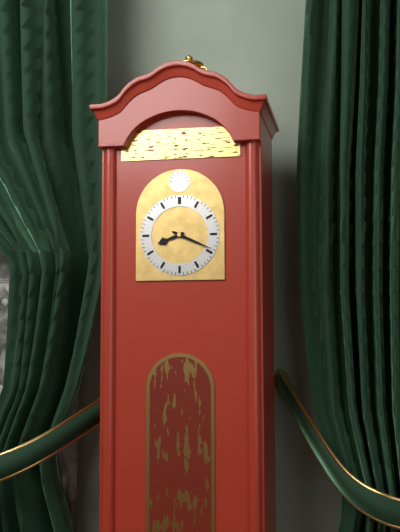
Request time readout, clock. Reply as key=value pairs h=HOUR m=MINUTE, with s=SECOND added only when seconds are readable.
h=8 m=19
